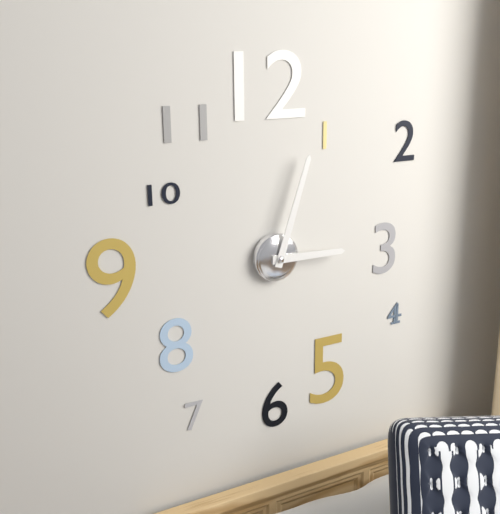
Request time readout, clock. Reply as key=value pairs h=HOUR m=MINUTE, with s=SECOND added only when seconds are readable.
h=3 m=3
